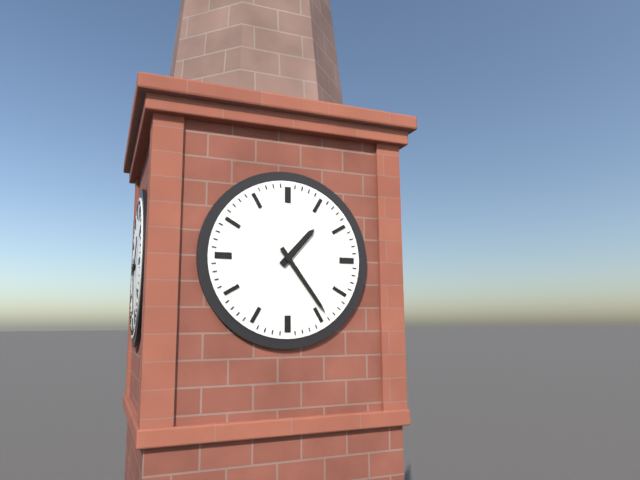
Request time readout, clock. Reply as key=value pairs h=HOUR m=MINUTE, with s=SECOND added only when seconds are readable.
h=1 m=24
